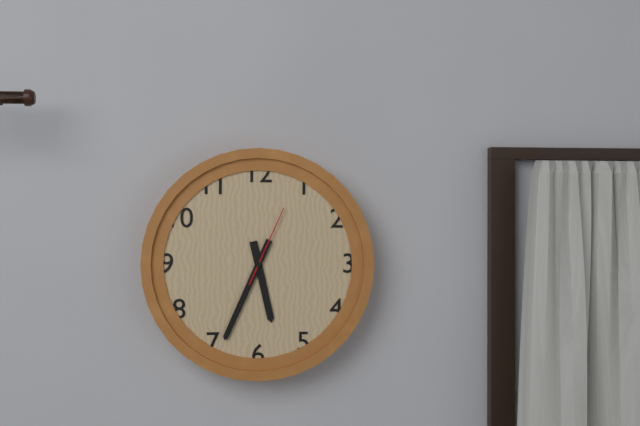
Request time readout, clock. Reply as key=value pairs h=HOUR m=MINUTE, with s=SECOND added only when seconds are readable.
h=5 m=34 s=4
